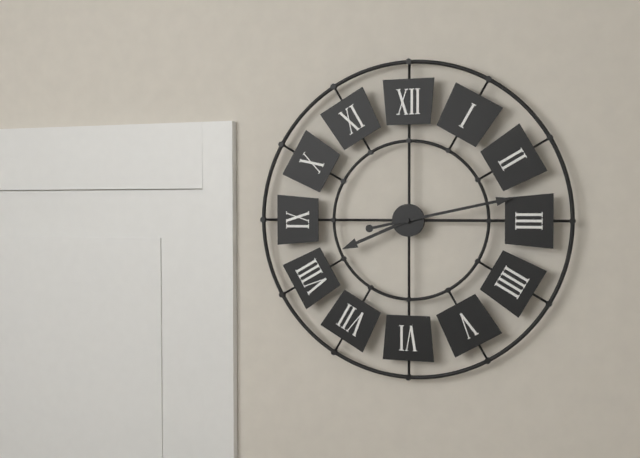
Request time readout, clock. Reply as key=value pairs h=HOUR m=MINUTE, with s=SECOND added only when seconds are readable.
h=8 m=13
